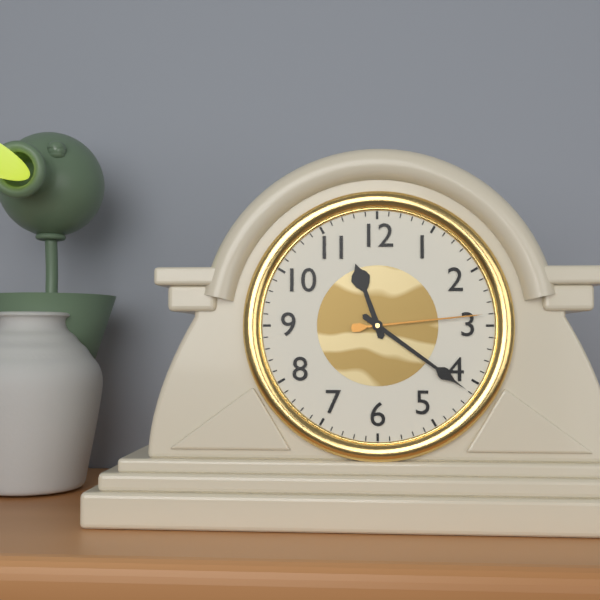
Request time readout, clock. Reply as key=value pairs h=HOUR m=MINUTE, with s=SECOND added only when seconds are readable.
h=11 m=21 s=14
